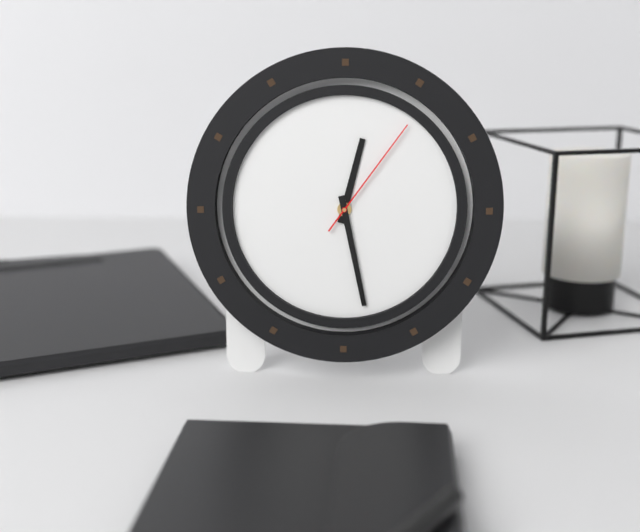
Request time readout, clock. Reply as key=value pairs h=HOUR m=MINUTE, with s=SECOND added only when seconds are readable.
h=12 m=28 s=6
